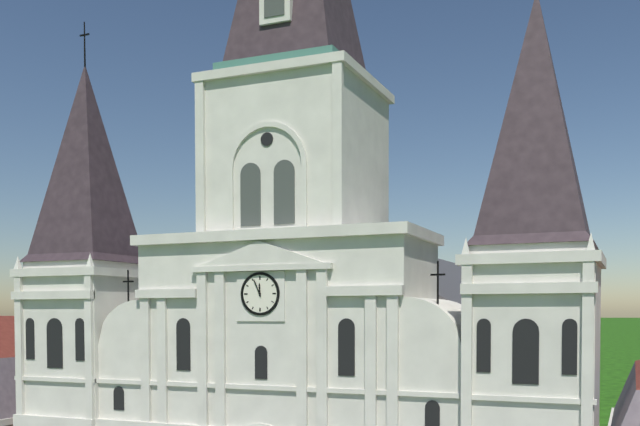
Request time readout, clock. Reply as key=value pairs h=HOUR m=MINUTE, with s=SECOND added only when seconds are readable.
h=11 m=56
